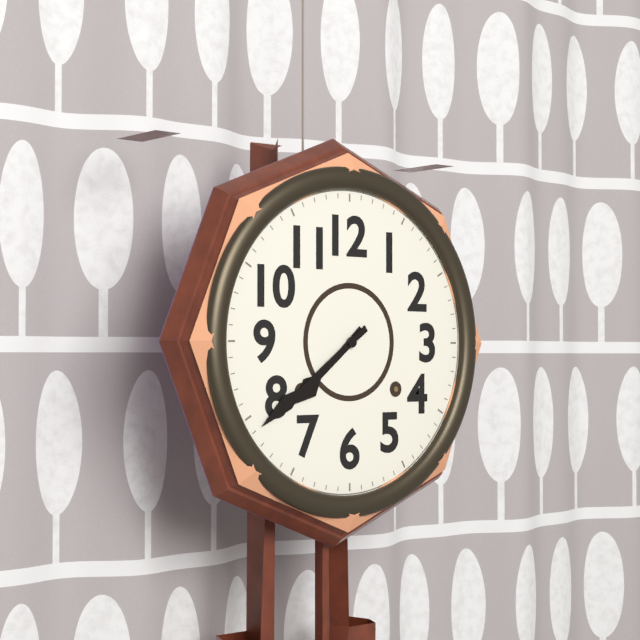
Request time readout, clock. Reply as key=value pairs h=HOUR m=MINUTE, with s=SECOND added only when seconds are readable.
h=7 m=39
